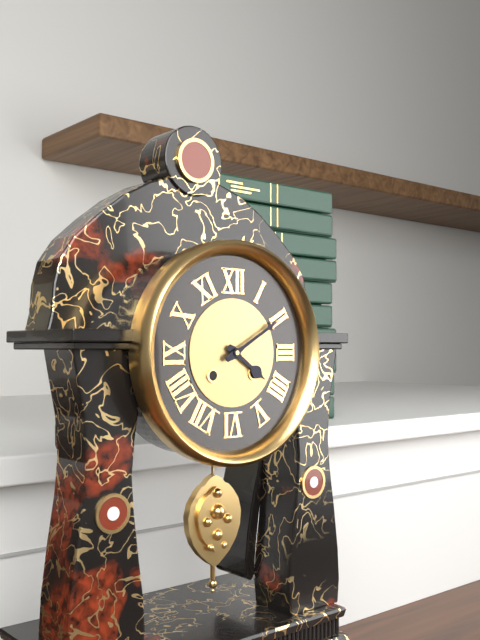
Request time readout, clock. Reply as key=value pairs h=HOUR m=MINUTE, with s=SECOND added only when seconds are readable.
h=4 m=10
